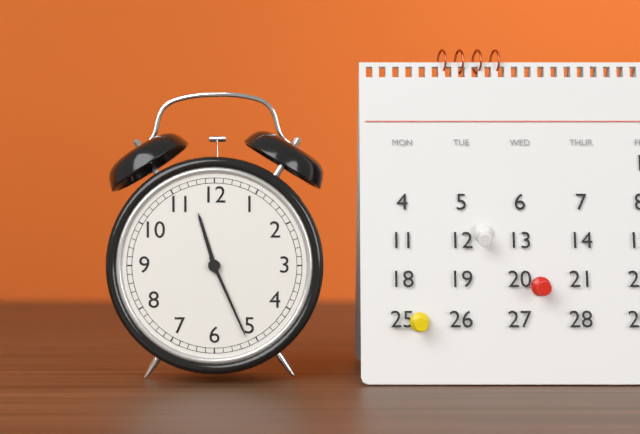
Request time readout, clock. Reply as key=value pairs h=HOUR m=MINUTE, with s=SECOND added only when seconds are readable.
h=11 m=26
